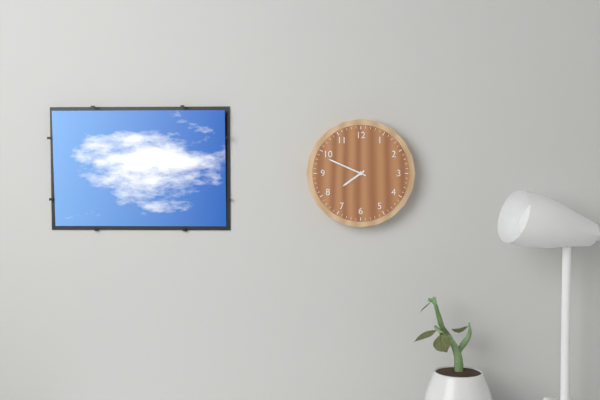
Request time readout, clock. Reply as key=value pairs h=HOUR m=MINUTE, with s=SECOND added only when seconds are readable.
h=7 m=49
